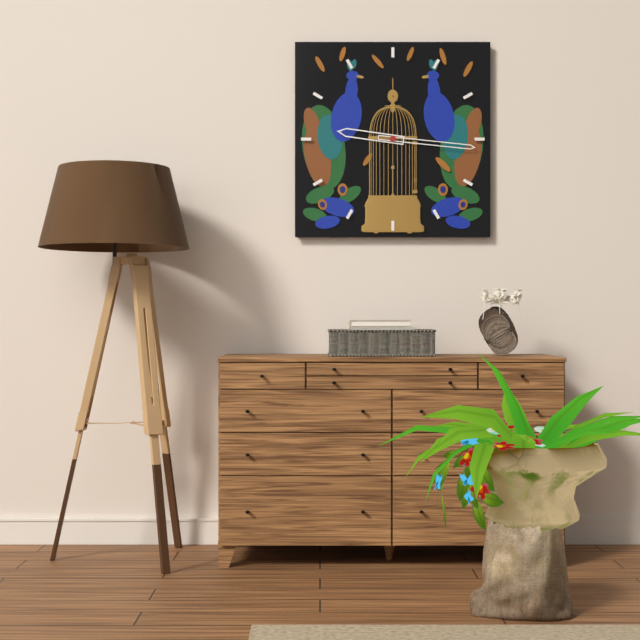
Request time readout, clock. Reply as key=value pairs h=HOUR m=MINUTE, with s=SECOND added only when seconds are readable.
h=9 m=16
